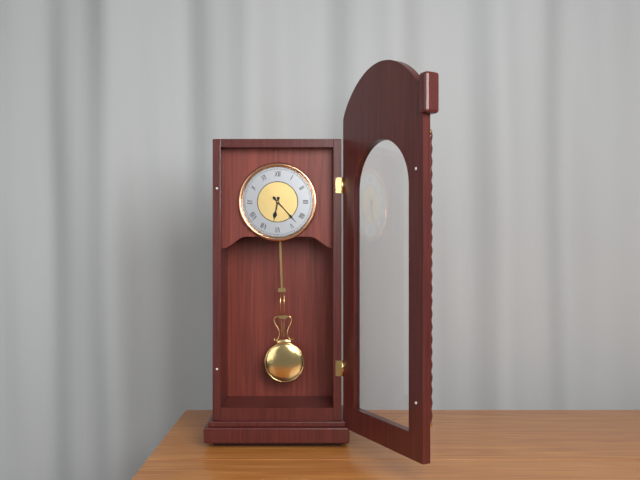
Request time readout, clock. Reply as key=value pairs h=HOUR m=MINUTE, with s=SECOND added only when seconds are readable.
h=6 m=23
